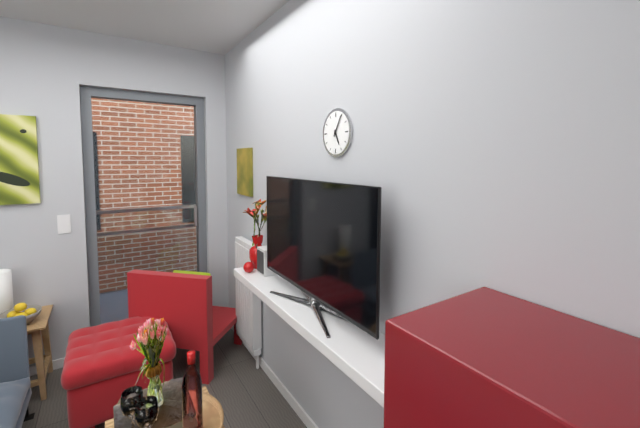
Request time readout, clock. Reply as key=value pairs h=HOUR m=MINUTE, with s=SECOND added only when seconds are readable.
h=5 m=5
